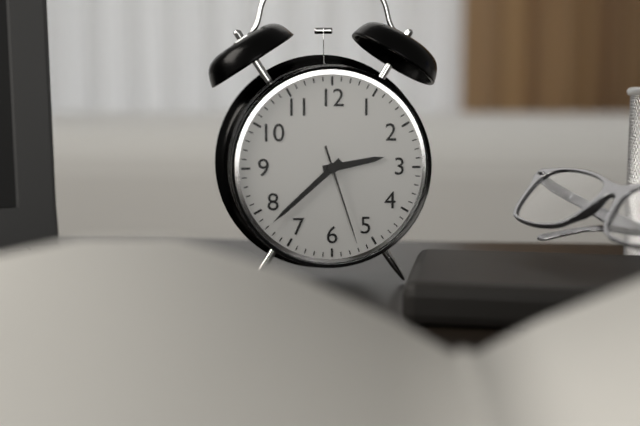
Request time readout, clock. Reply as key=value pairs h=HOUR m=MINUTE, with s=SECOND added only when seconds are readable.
h=2 m=38 s=27
